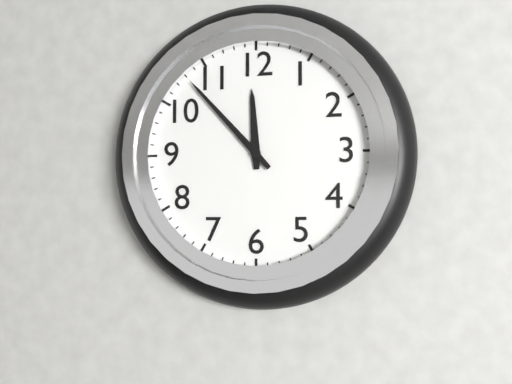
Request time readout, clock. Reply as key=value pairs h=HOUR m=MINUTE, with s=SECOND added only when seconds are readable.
h=11 m=53
